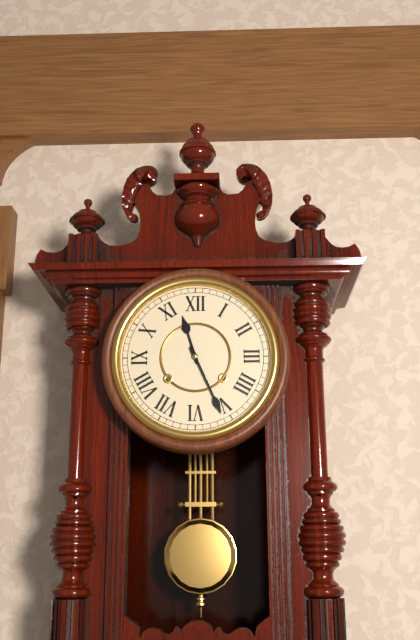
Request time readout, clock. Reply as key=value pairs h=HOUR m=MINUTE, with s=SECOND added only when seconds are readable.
h=11 m=26
